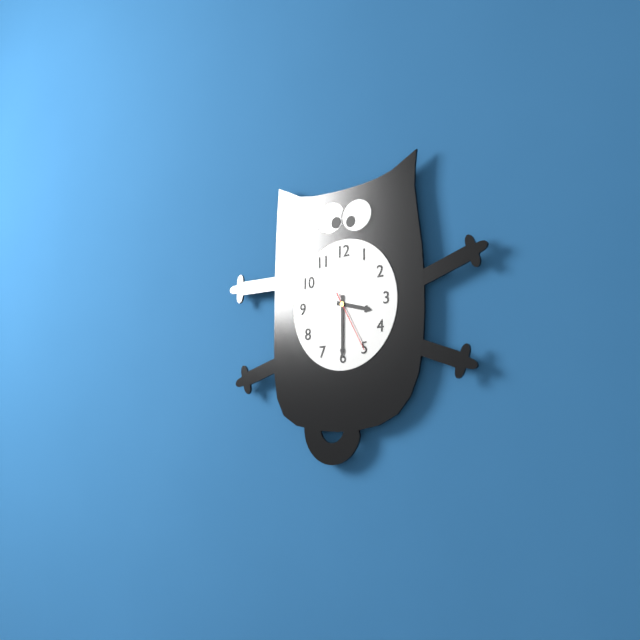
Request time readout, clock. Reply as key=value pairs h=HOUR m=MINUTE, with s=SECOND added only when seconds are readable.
h=3 m=30 s=25
